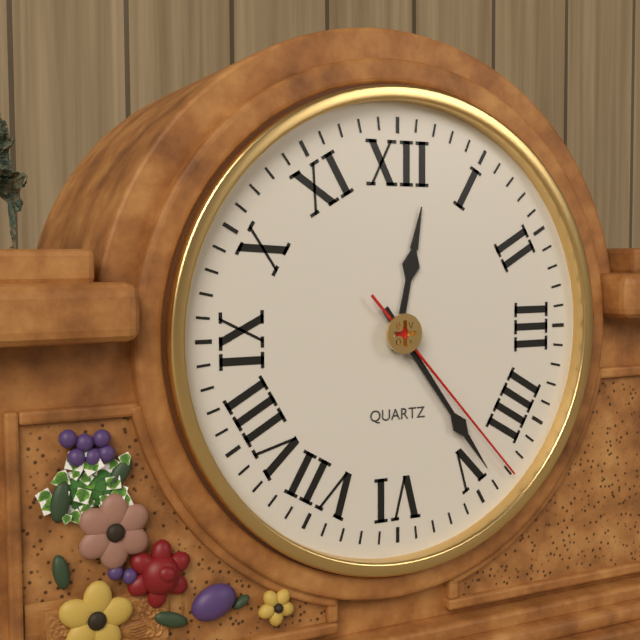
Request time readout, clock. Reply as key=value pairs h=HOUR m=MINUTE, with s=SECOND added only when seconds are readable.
h=12 m=24 s=23
